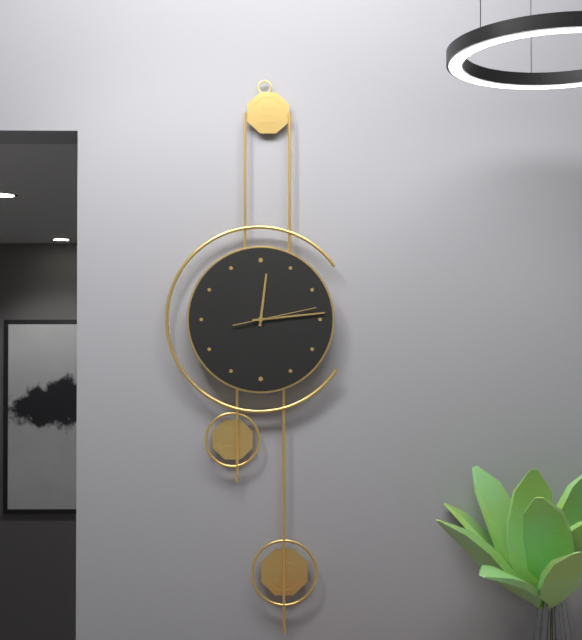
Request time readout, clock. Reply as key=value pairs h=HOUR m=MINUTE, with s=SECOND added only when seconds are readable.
h=12 m=14 s=13
